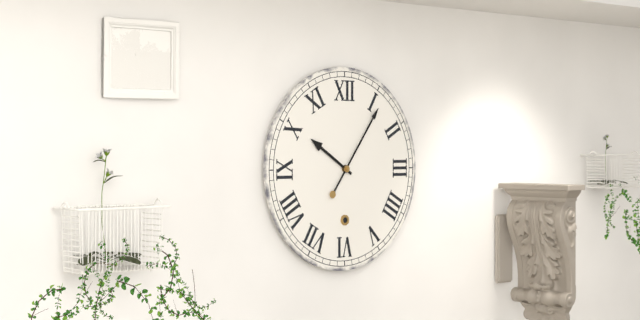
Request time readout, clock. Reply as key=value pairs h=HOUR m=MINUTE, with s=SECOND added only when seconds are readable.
h=10 m=6
